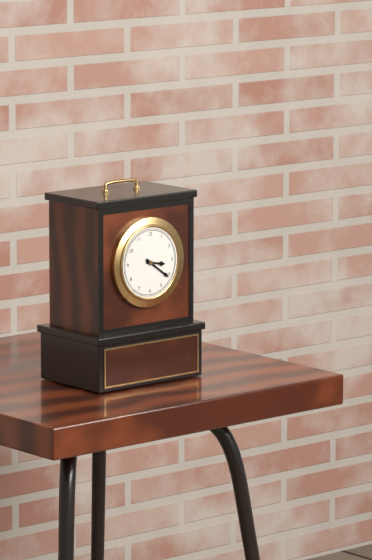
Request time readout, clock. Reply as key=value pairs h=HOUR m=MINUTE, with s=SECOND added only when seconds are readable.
h=3 m=21
